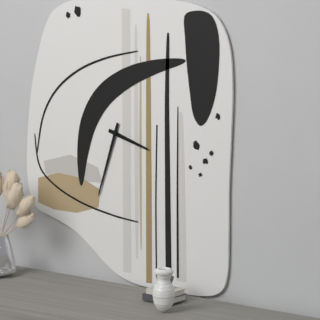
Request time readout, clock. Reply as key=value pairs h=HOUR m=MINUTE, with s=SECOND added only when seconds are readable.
h=3 m=33
